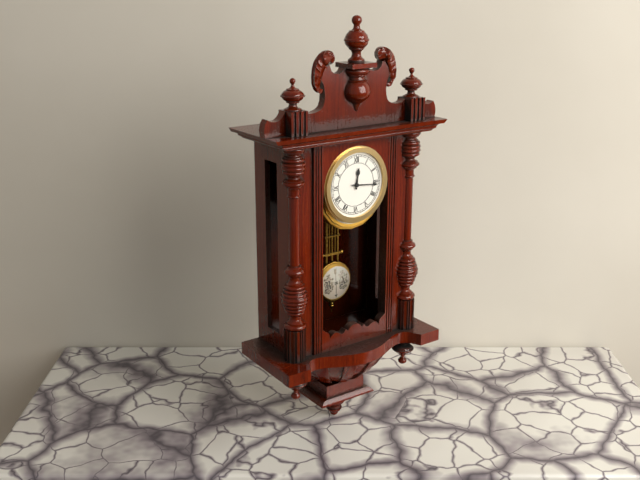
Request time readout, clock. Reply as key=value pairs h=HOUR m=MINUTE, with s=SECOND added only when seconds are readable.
h=12 m=16
